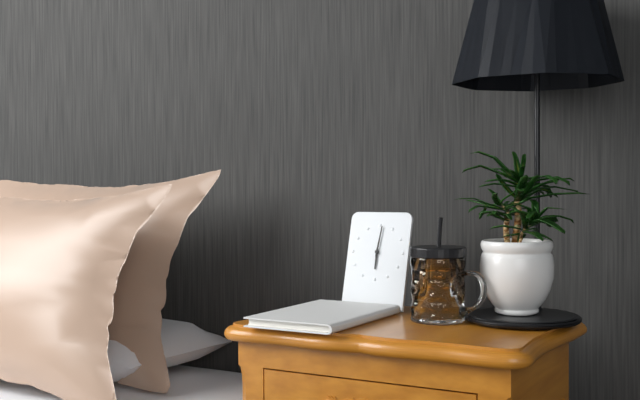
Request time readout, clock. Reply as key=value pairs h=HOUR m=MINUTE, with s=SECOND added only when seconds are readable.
h=6 m=1
